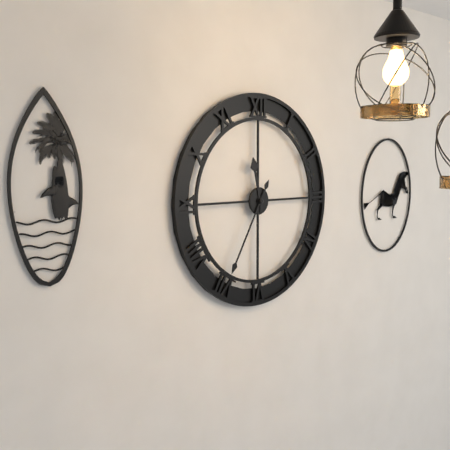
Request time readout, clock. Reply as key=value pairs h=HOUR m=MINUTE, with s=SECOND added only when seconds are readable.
h=11 m=35
